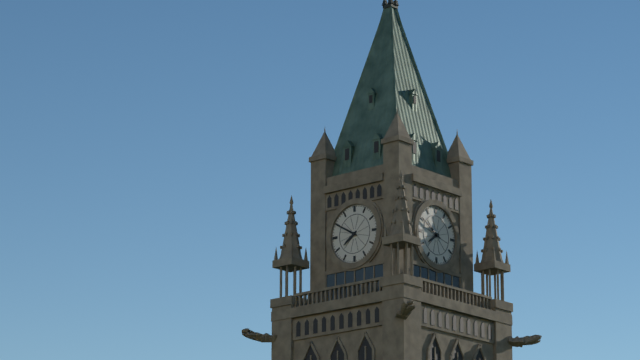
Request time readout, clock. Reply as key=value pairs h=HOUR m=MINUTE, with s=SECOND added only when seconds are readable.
h=7 m=50
